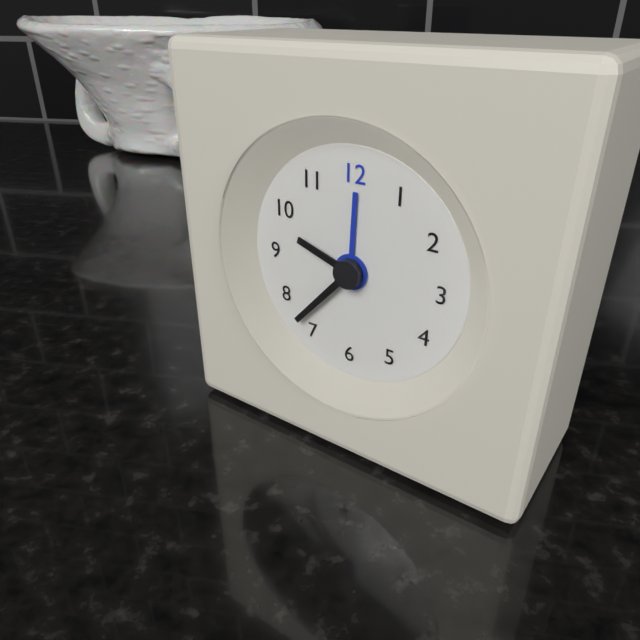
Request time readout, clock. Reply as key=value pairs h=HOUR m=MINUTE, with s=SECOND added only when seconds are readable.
h=9 m=37
